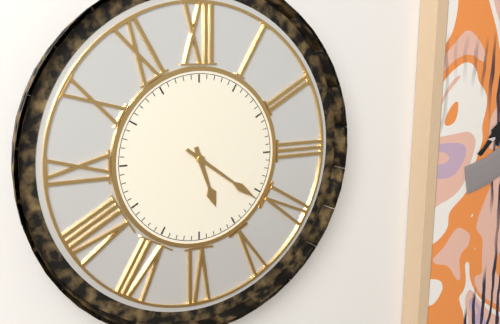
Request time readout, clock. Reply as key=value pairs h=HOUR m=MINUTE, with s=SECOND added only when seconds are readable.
h=5 m=21
